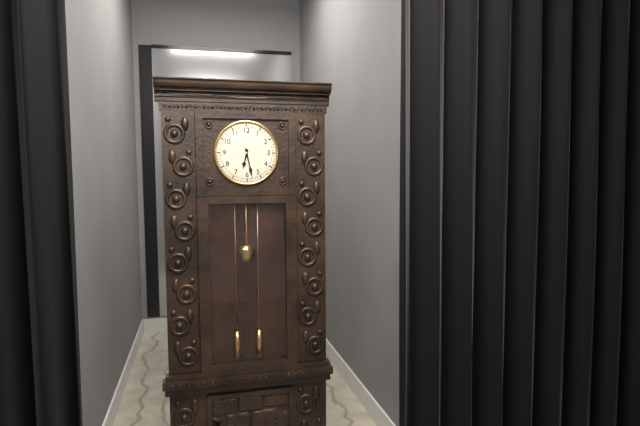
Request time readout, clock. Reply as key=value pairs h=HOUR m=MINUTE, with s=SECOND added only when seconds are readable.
h=6 m=28
